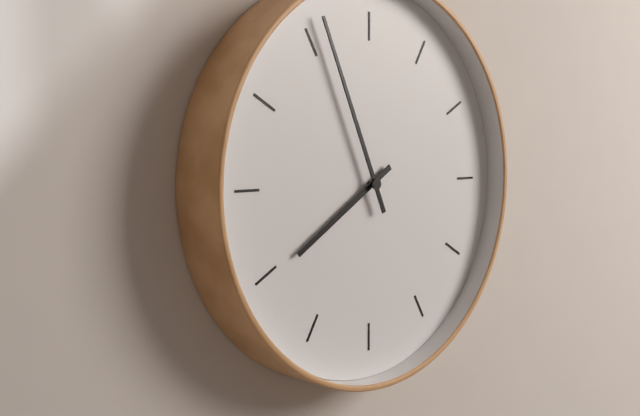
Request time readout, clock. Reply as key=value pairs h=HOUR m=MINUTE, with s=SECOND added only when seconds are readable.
h=7 m=56
